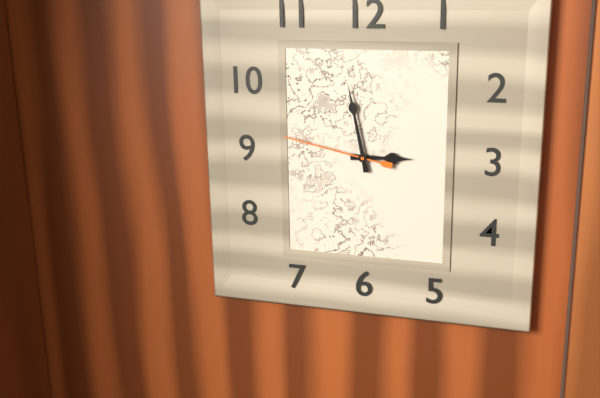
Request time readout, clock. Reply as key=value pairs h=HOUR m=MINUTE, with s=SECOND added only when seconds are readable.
h=2 m=58 s=47
